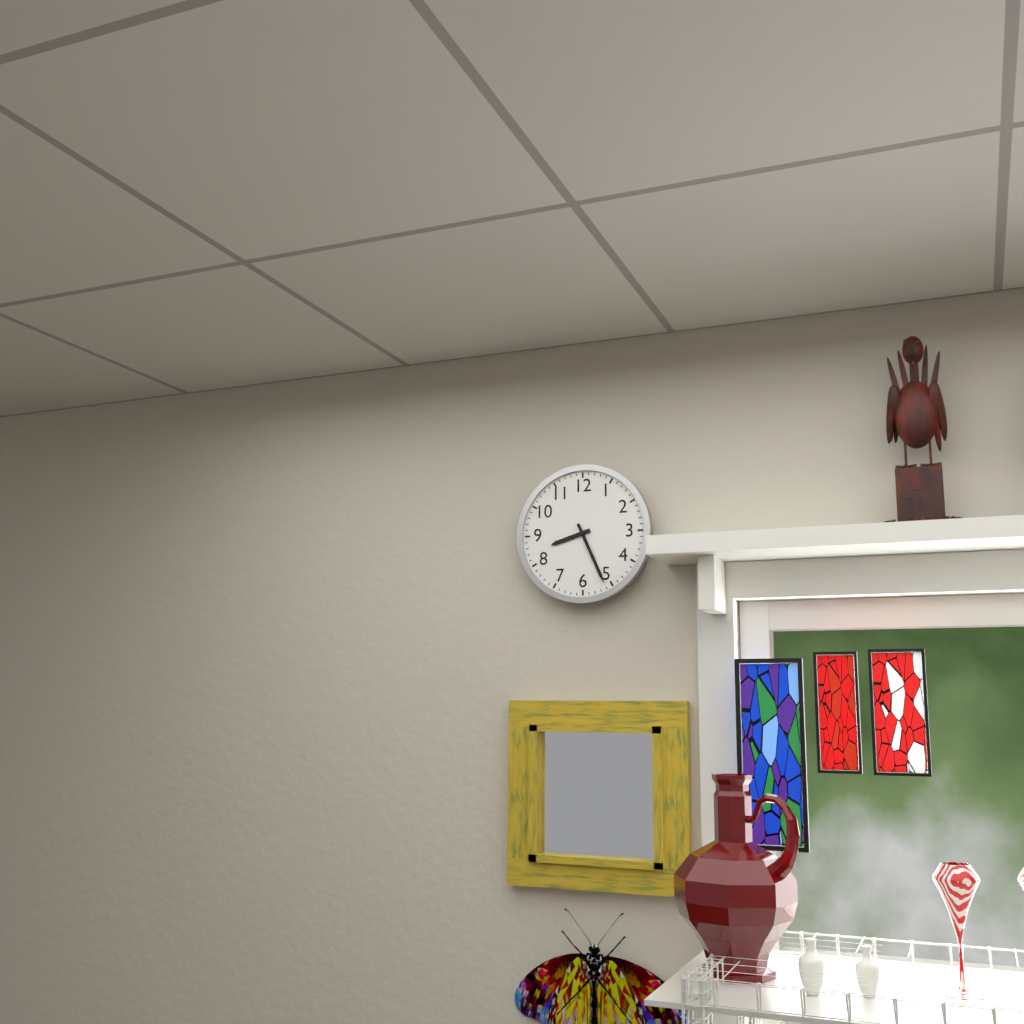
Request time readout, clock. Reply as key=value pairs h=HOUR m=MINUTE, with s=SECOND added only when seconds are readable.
h=8 m=26
